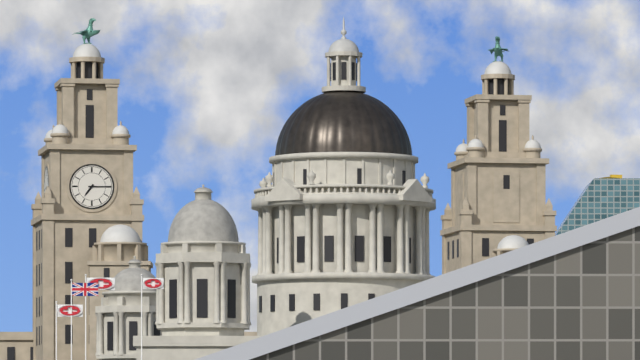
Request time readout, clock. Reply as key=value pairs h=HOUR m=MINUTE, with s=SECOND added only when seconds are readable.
h=7 m=15
